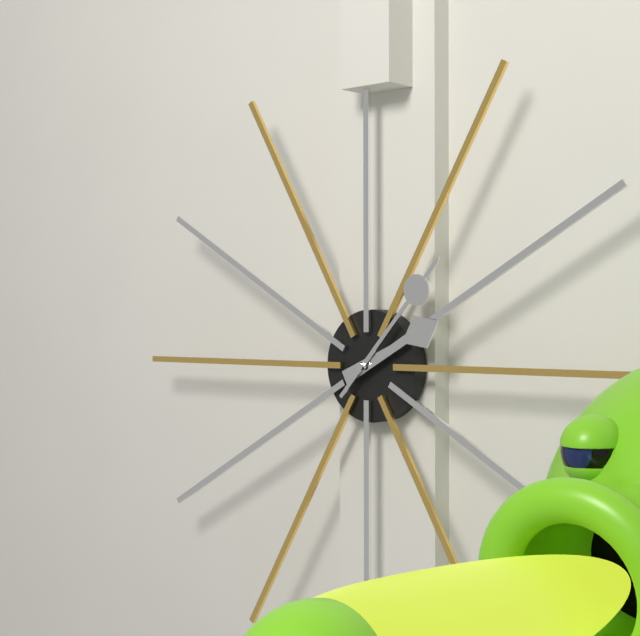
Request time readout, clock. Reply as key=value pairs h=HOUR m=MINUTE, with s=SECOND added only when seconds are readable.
h=2 m=7
